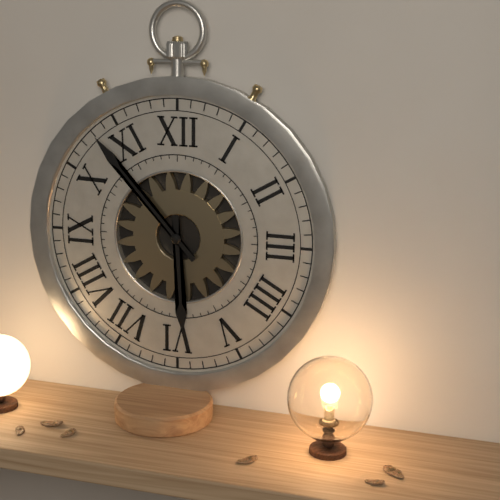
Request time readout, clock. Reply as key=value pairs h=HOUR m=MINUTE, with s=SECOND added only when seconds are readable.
h=5 m=53
